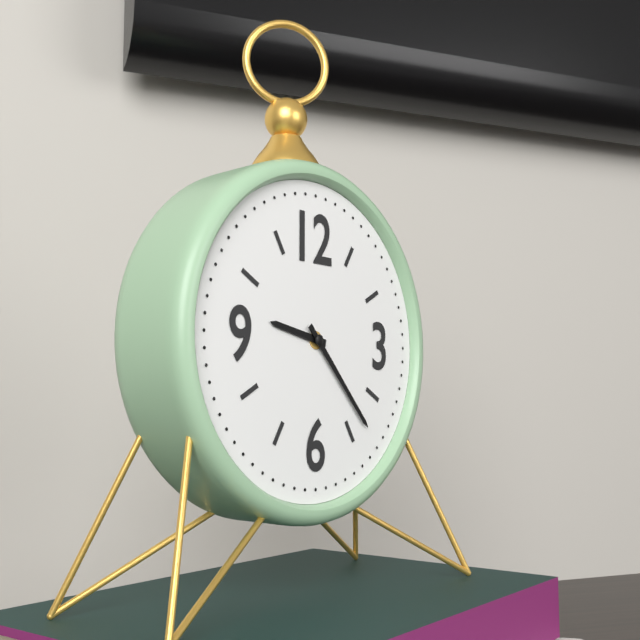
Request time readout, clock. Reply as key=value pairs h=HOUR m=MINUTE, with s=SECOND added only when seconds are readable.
h=9 m=23
